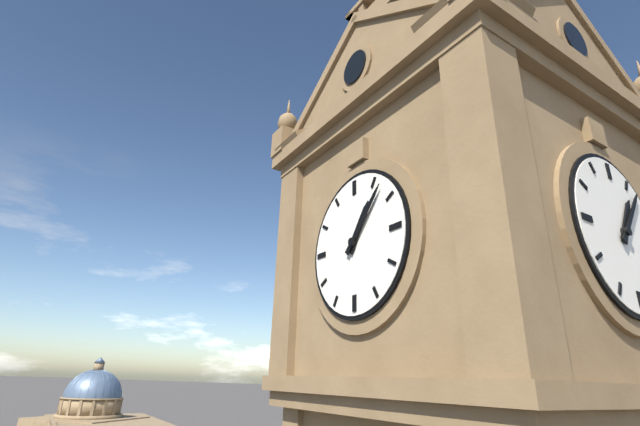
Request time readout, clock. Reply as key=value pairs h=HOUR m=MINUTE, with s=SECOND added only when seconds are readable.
h=1 m=7
